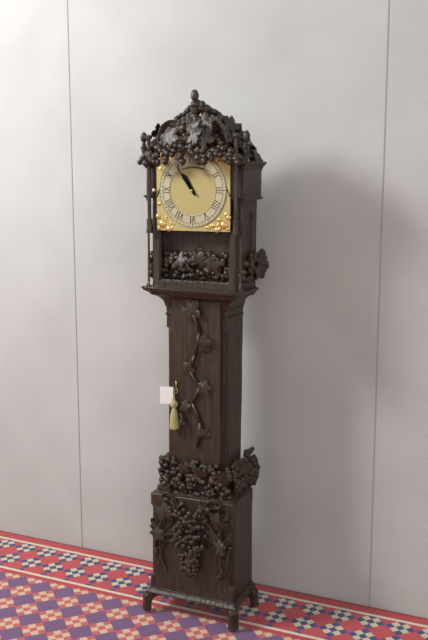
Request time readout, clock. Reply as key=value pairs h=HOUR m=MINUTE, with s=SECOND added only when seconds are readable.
h=10 m=54
